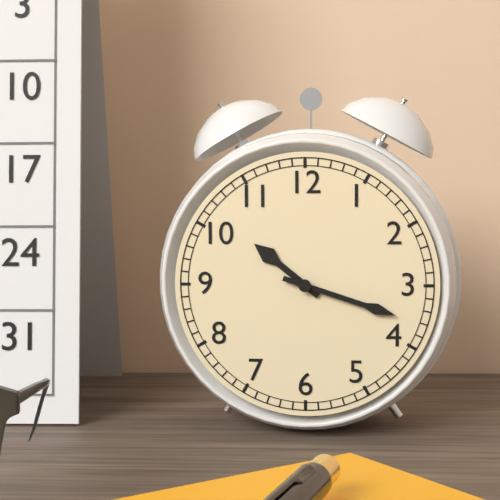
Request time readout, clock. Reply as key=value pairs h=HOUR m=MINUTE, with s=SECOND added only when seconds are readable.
h=10 m=18
